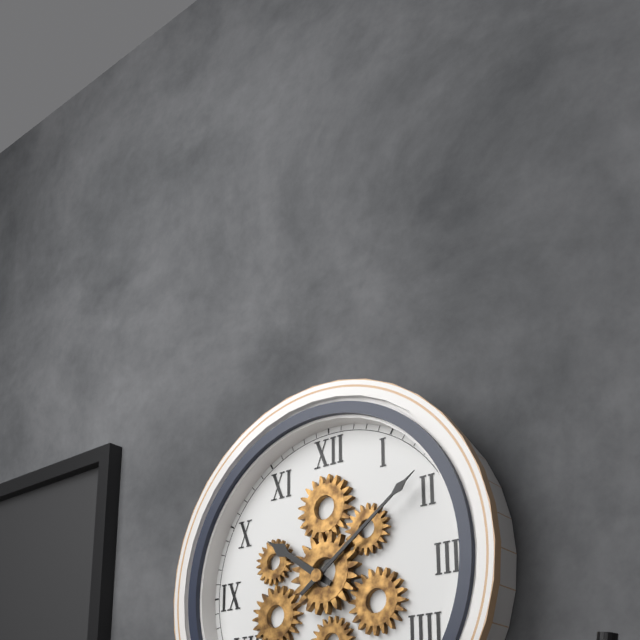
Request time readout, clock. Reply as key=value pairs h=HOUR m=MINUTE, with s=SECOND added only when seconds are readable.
h=10 m=9
